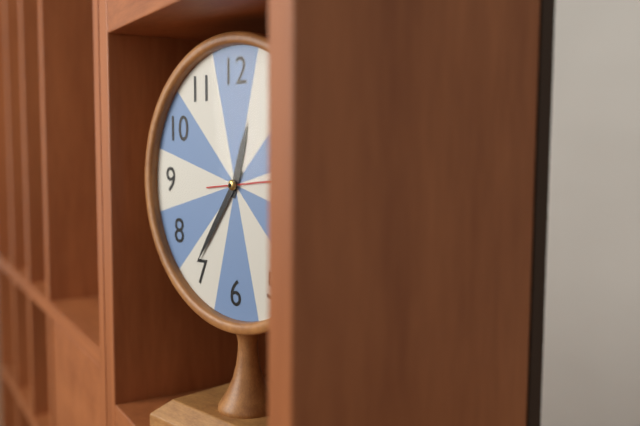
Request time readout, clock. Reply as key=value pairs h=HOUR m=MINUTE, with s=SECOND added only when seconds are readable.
h=12 m=36
